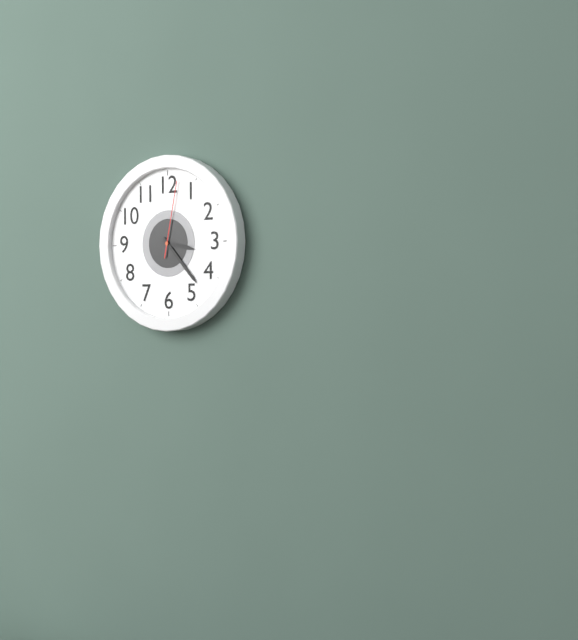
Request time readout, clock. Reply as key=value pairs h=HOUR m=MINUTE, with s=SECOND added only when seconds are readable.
h=3 m=23 s=2
